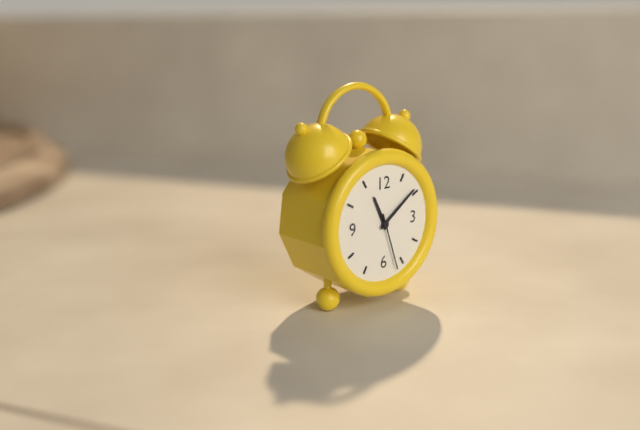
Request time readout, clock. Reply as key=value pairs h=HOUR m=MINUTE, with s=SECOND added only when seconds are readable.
h=11 m=9 s=27
